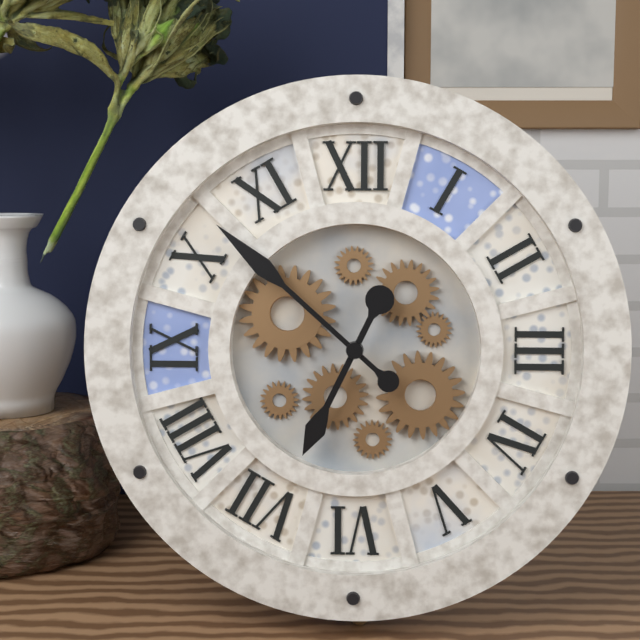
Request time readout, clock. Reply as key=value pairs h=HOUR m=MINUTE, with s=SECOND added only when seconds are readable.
h=6 m=52
